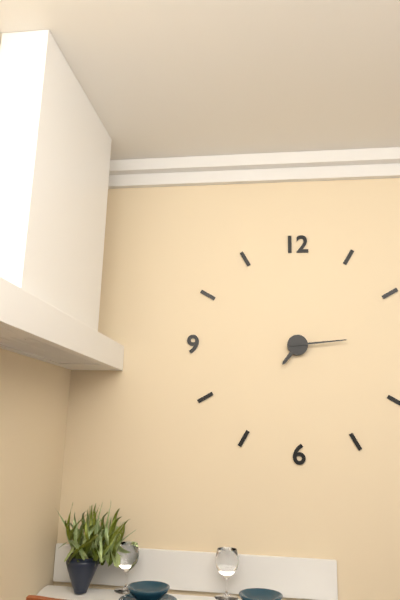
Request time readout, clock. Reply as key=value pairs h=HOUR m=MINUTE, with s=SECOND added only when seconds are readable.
h=7 m=14
